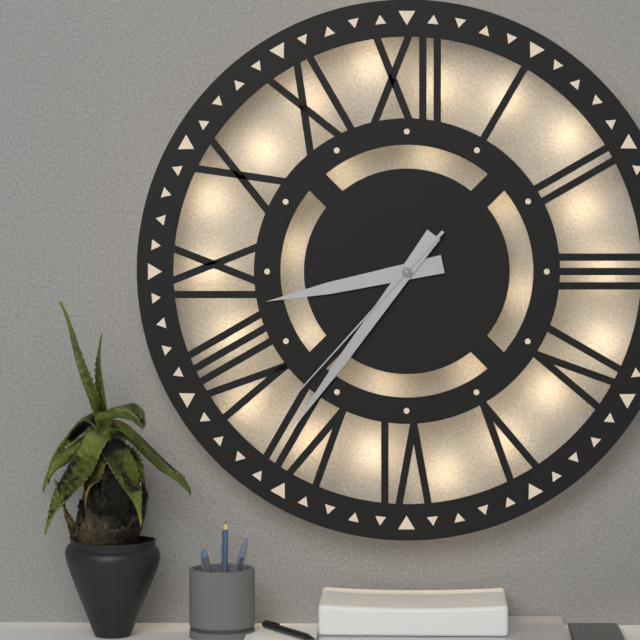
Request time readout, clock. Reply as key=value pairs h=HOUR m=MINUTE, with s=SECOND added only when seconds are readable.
h=8 m=36 s=37
